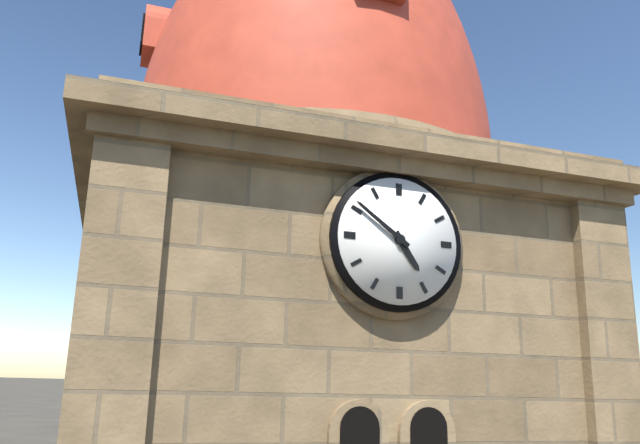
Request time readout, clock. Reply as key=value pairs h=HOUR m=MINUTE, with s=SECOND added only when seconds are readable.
h=4 m=51
